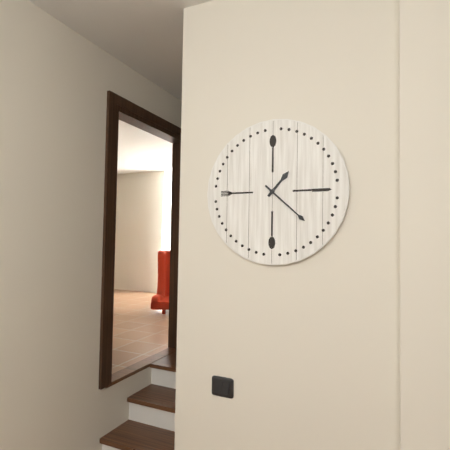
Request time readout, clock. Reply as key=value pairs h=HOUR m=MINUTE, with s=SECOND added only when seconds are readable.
h=1 m=22
